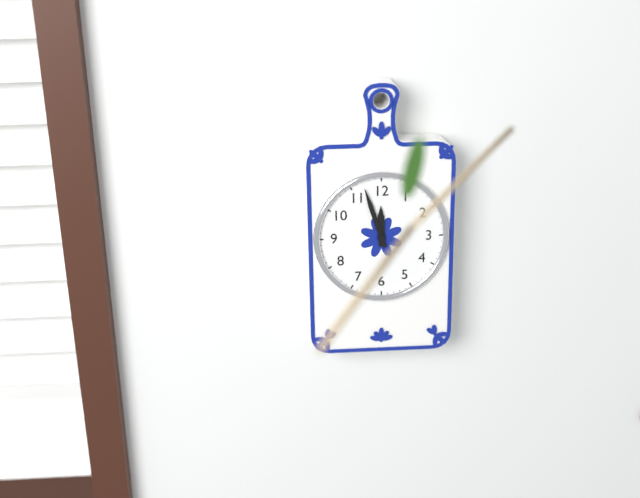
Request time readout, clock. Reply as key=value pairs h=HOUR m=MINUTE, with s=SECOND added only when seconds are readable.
h=11 m=57
